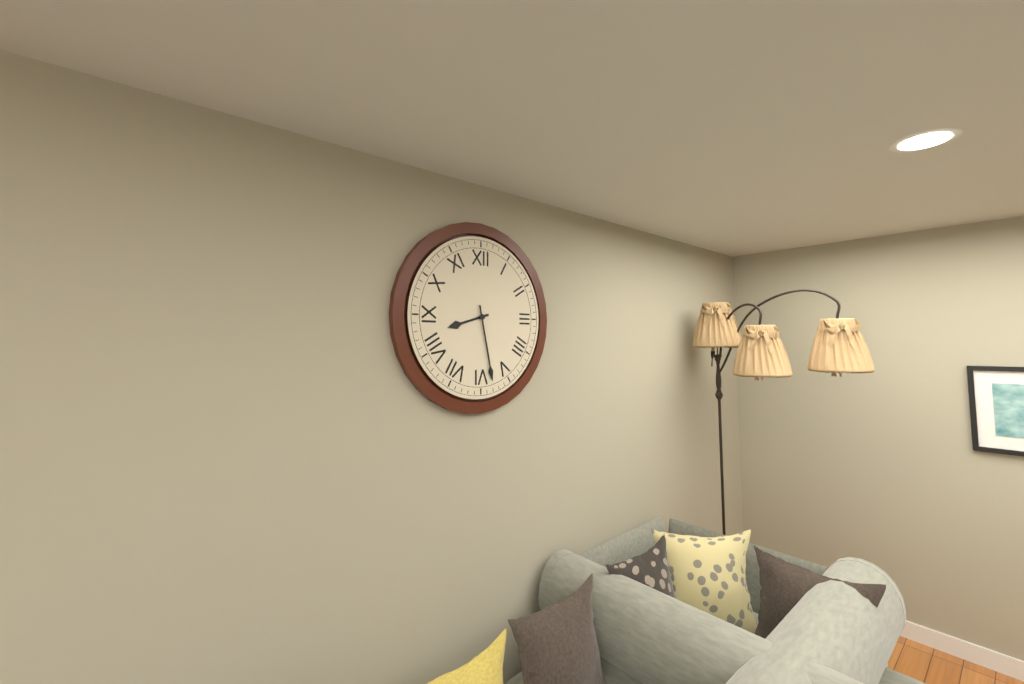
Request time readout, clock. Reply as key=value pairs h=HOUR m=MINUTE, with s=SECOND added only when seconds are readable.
h=8 m=28
